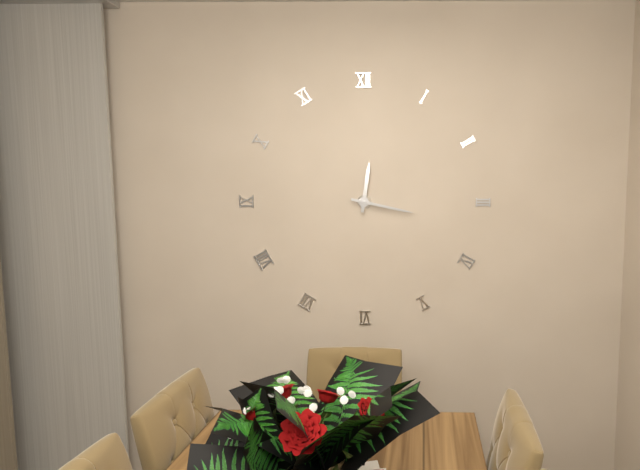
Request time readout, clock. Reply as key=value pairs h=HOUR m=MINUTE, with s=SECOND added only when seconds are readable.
h=12 m=17
